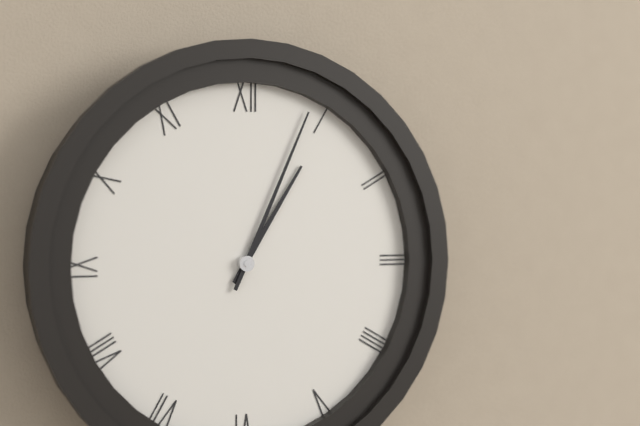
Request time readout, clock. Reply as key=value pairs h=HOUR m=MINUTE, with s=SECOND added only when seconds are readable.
h=1 m=4
